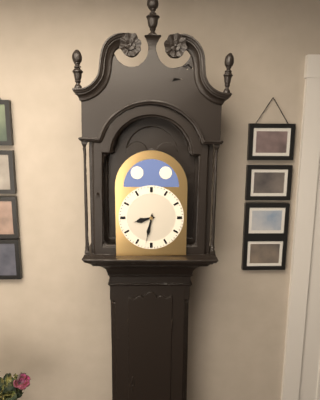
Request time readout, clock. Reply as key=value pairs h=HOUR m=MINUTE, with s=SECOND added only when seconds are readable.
h=8 m=32
